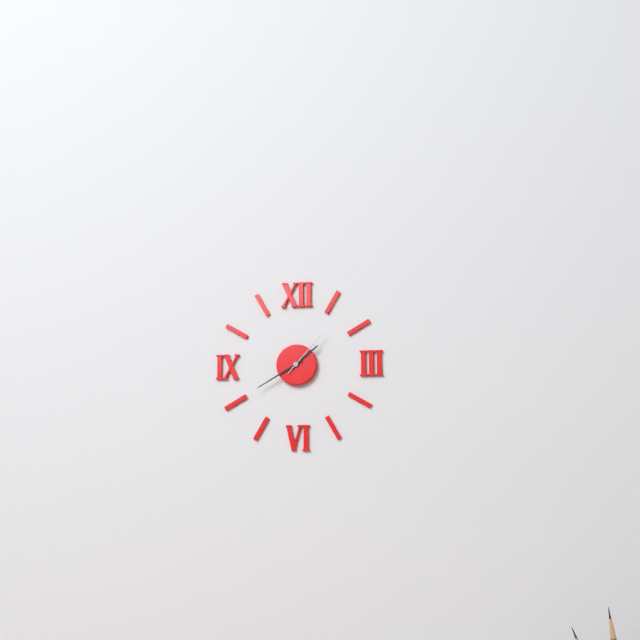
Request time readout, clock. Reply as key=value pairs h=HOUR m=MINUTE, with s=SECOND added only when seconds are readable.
h=1 m=40 s=7
